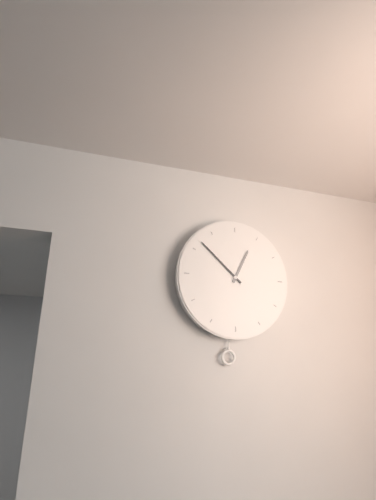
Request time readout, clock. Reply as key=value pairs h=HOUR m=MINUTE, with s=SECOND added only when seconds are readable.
h=12 m=52
